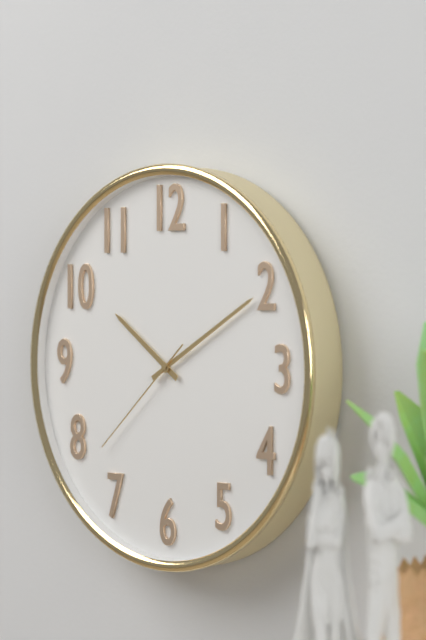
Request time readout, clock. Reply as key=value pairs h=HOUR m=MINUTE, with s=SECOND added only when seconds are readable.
h=10 m=10 s=38
